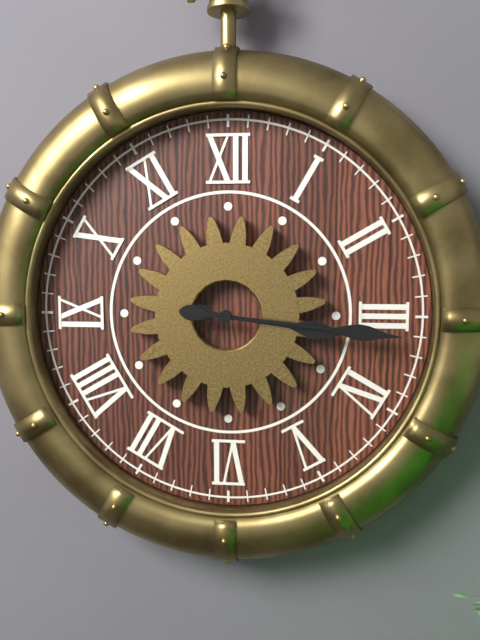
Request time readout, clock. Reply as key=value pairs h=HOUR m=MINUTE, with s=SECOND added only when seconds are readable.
h=3 m=16
